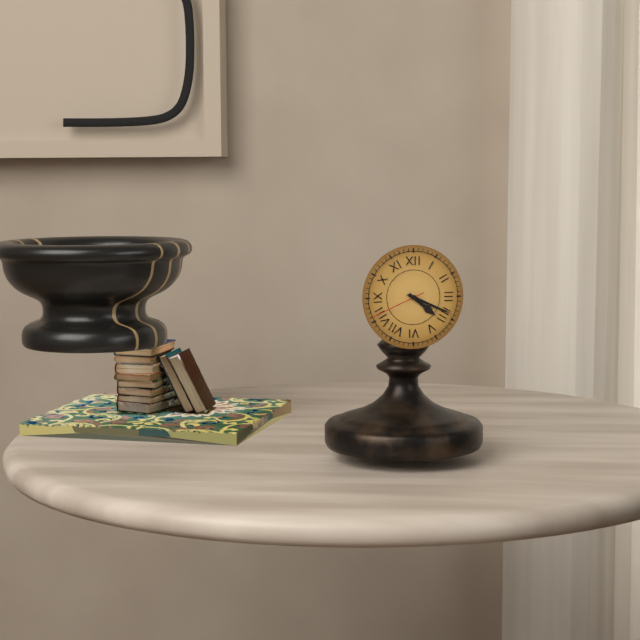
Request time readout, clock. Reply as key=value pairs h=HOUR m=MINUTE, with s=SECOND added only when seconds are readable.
h=4 m=19 s=41
